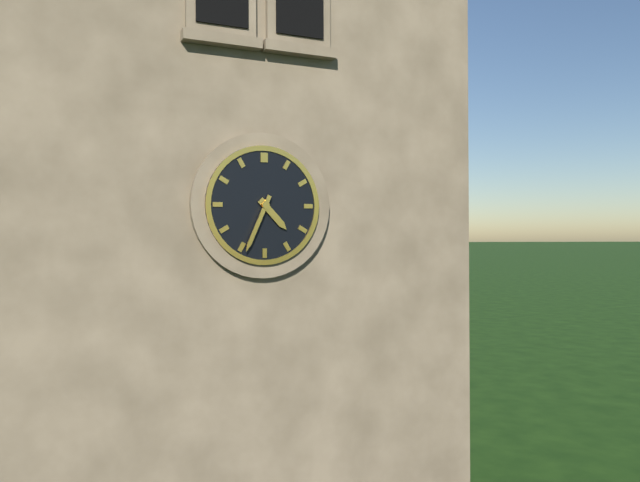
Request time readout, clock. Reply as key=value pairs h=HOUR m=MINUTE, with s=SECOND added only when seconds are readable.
h=4 m=34
